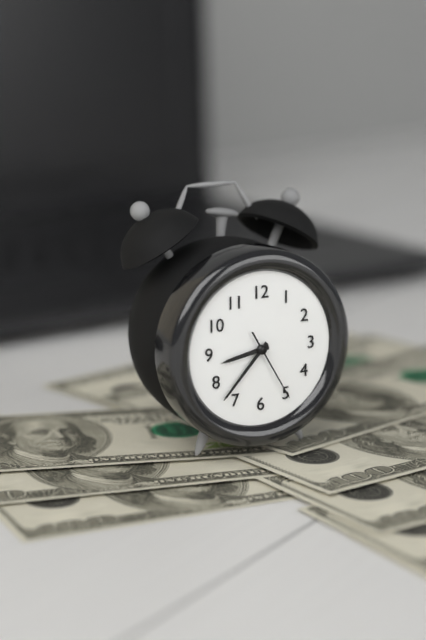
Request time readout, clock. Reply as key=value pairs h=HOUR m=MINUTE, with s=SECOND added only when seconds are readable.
h=8 m=37 s=25
